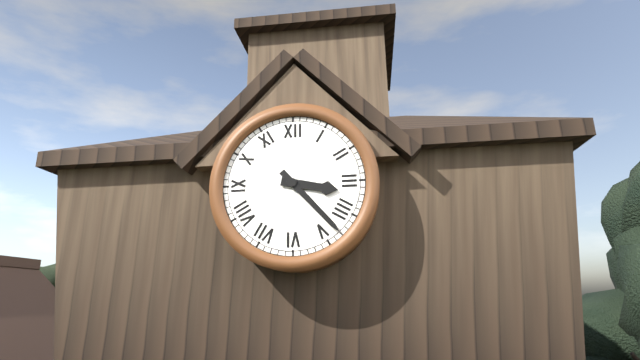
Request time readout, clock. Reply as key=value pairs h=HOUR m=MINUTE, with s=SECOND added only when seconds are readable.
h=3 m=23
